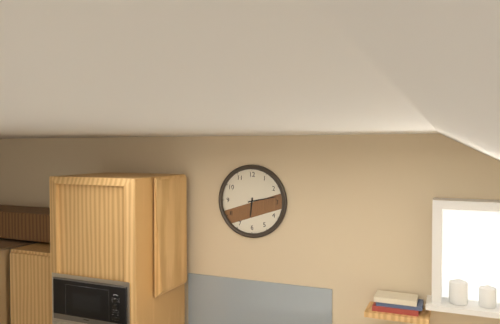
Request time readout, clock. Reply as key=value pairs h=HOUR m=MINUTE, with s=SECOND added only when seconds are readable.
h=6 m=13
